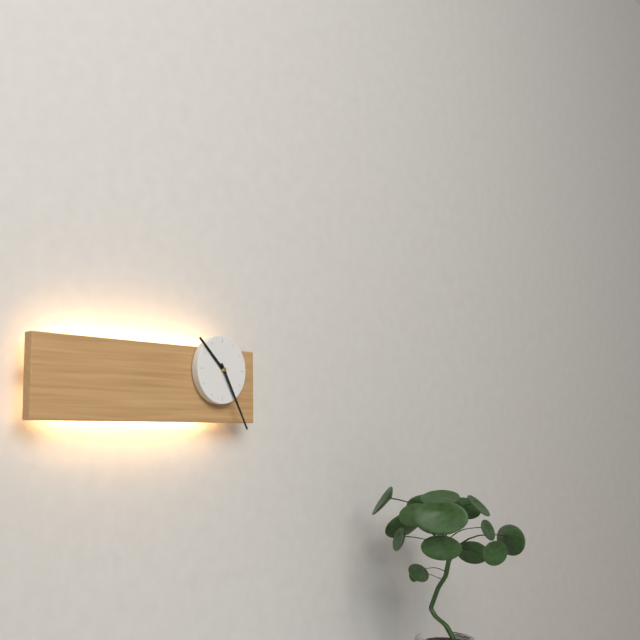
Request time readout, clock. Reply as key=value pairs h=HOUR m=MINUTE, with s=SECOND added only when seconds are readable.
h=10 m=25
